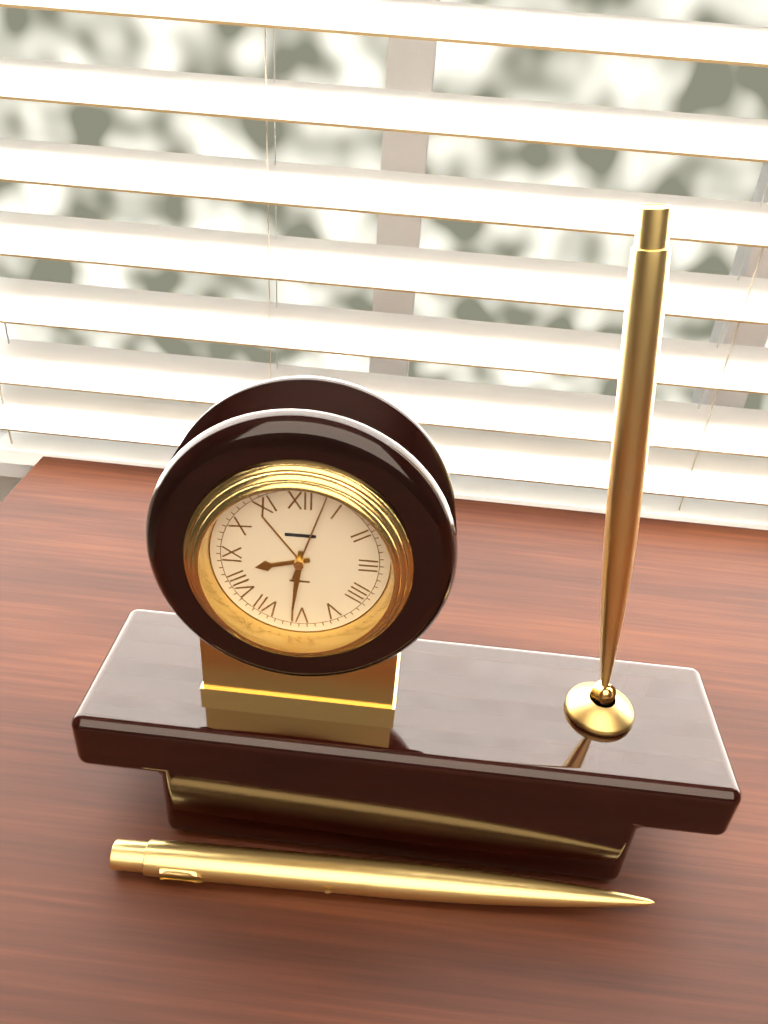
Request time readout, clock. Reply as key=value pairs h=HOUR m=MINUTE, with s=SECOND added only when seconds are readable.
h=8 m=31 s=3
